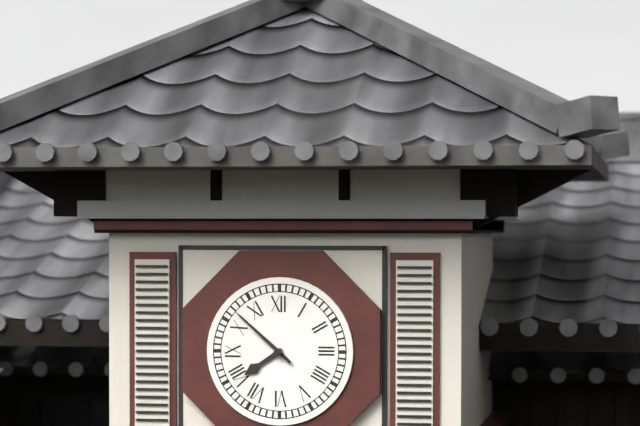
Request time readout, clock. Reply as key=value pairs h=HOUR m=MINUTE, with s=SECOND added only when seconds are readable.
h=7 m=52
